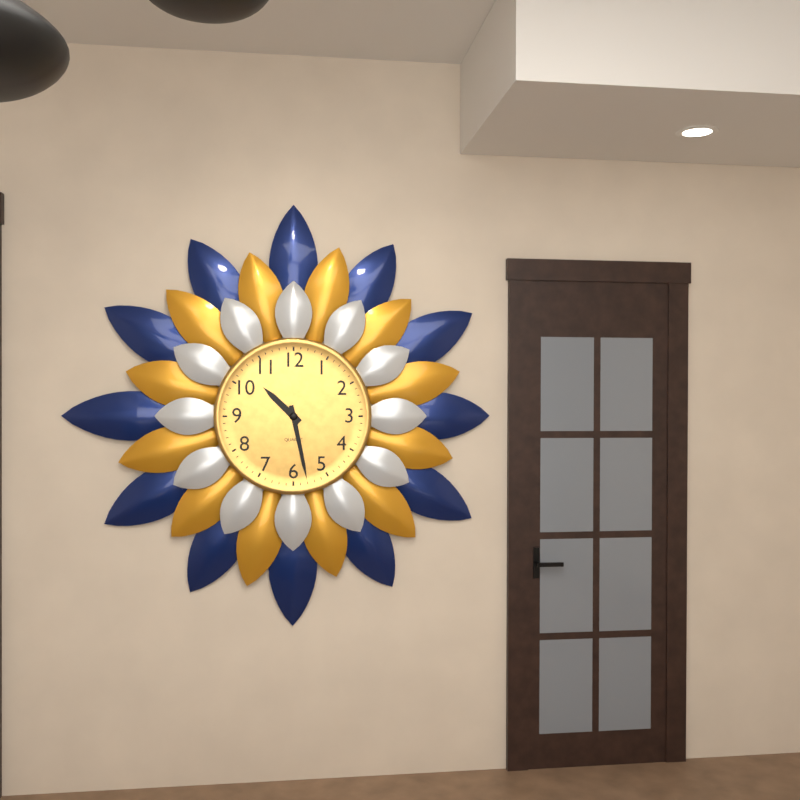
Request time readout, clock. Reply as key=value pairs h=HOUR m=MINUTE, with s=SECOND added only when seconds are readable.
h=10 m=28
